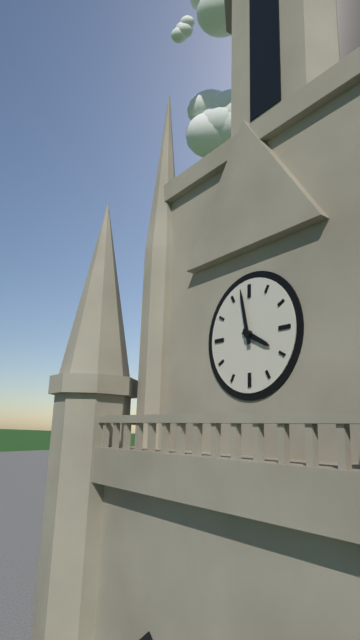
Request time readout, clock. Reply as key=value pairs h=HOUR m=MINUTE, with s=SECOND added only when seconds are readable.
h=3 m=58
